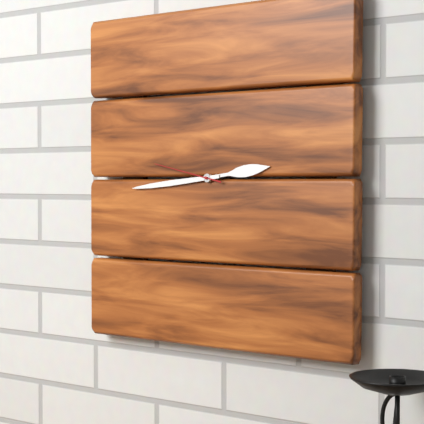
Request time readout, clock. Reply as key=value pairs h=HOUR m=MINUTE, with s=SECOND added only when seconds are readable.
h=2 m=44 s=47
